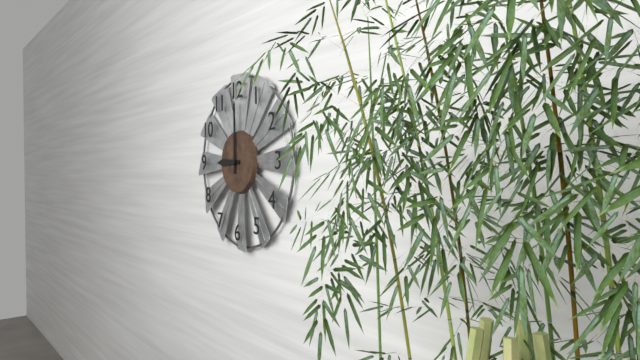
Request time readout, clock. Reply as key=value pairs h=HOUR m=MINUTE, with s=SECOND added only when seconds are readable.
h=9 m=0
